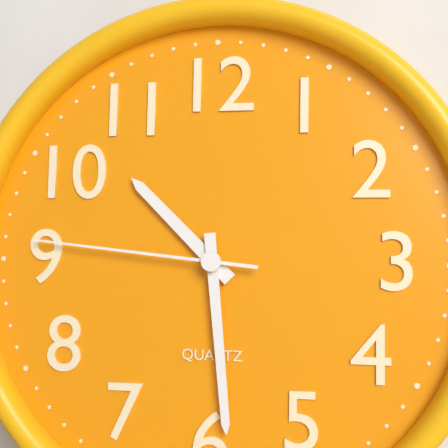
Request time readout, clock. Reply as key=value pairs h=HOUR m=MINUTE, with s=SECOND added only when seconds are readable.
h=10 m=29 s=46
